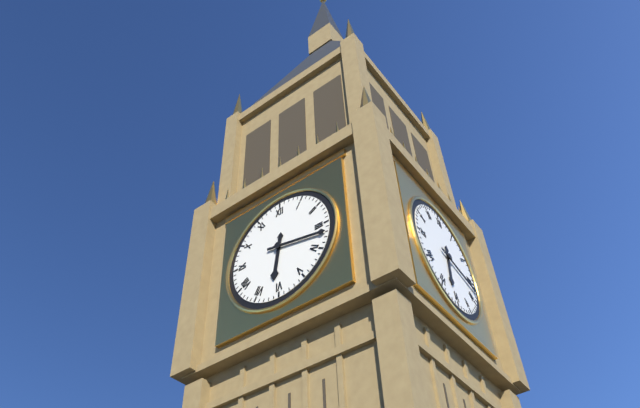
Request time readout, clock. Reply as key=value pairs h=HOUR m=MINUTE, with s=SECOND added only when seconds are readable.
h=6 m=17
